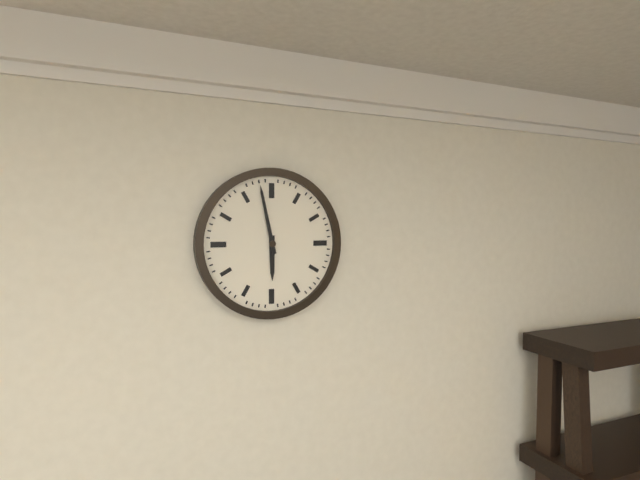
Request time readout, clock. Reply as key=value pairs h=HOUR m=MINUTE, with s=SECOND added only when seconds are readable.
h=5 m=58
